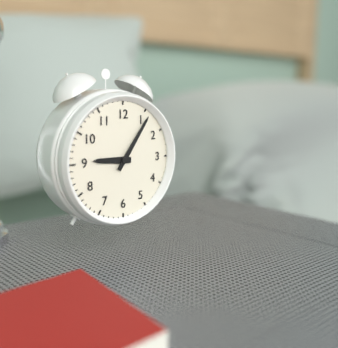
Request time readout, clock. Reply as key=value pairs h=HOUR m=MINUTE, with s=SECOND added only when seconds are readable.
h=9 m=6
